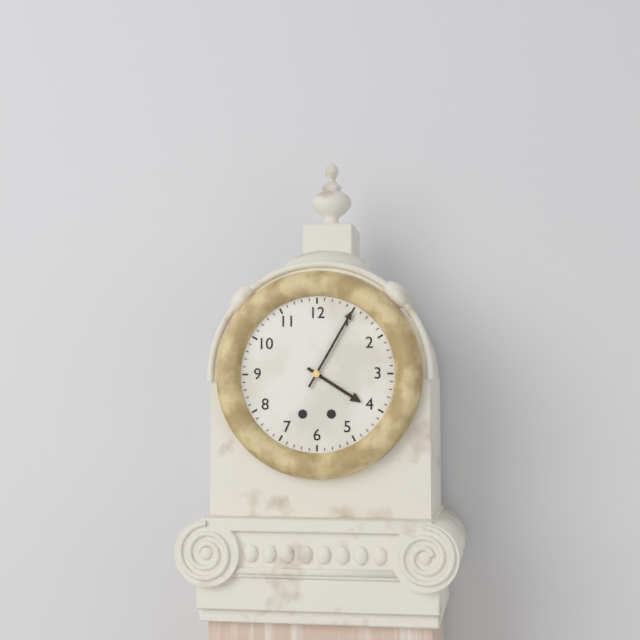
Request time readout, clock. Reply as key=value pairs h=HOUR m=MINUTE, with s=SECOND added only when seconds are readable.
h=4 m=5
